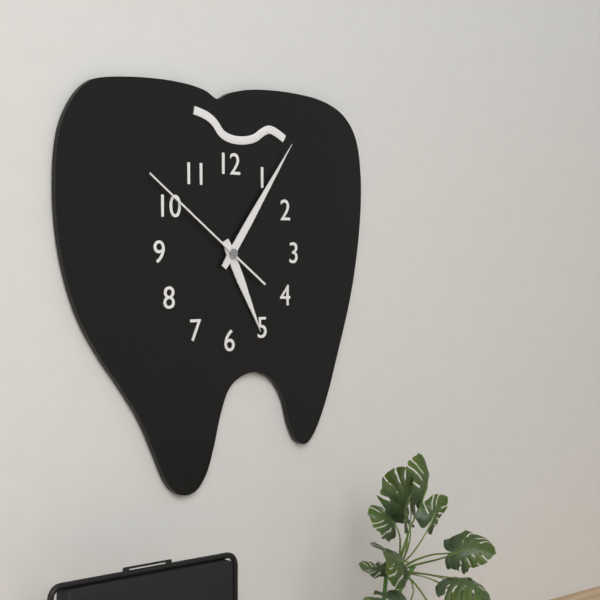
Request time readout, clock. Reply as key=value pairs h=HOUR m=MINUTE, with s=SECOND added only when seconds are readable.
h=5 m=6 s=51
